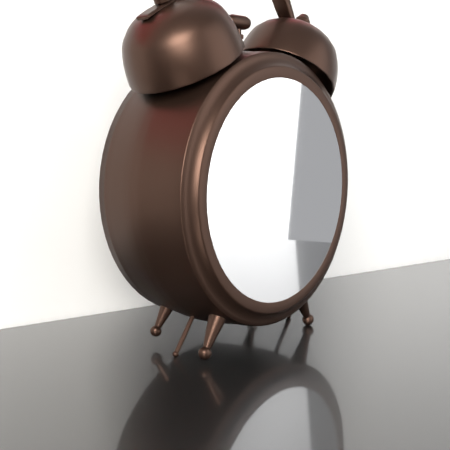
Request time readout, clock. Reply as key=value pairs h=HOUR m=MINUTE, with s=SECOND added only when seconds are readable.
h=1 m=32
